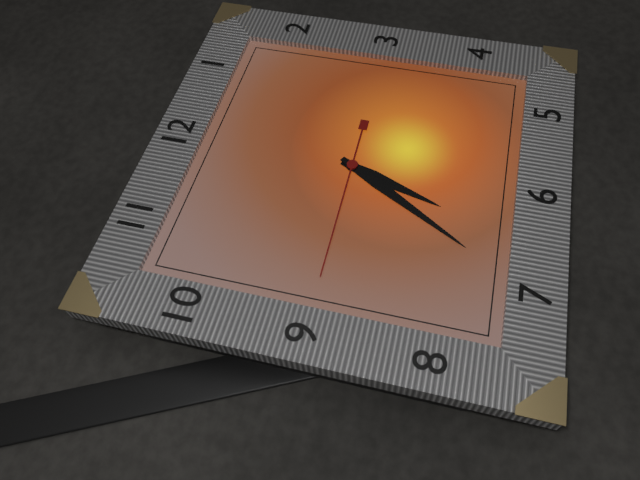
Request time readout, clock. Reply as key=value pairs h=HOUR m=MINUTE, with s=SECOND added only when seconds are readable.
h=6 m=35 s=45
